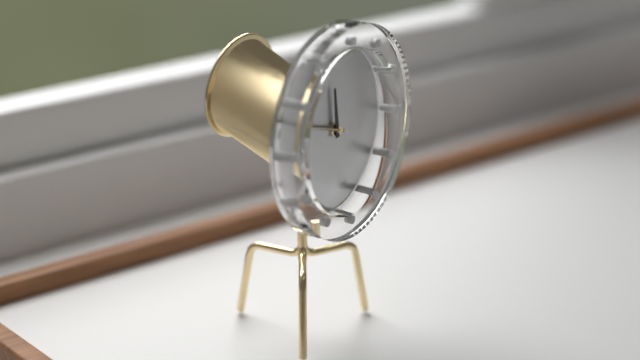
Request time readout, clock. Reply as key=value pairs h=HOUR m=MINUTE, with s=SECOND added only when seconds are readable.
h=11 m=48
